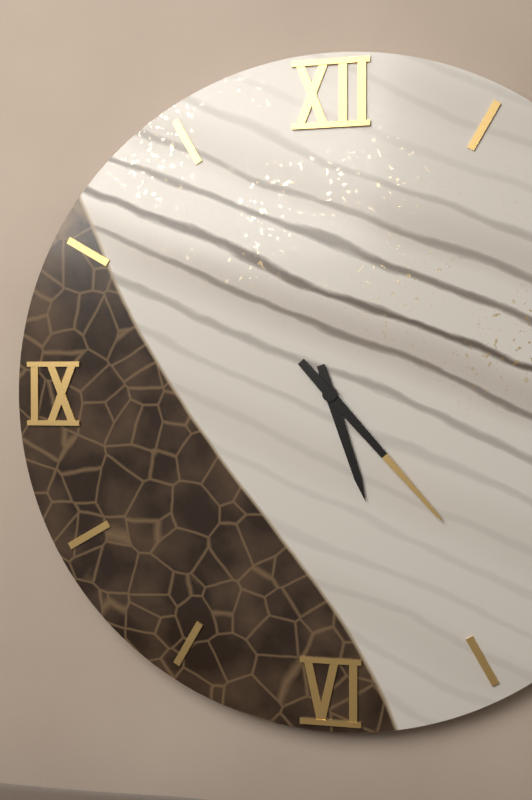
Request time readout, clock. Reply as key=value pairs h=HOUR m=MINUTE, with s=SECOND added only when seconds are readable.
h=5 m=23
